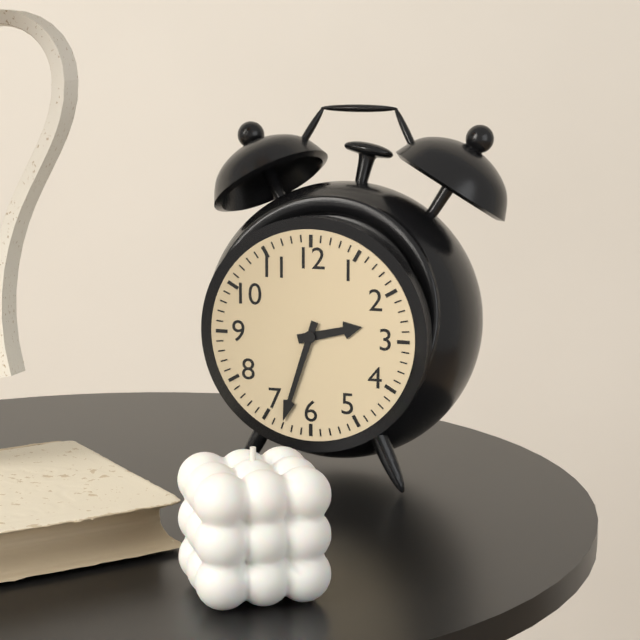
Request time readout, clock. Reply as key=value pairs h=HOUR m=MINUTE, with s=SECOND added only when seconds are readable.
h=2 m=33
